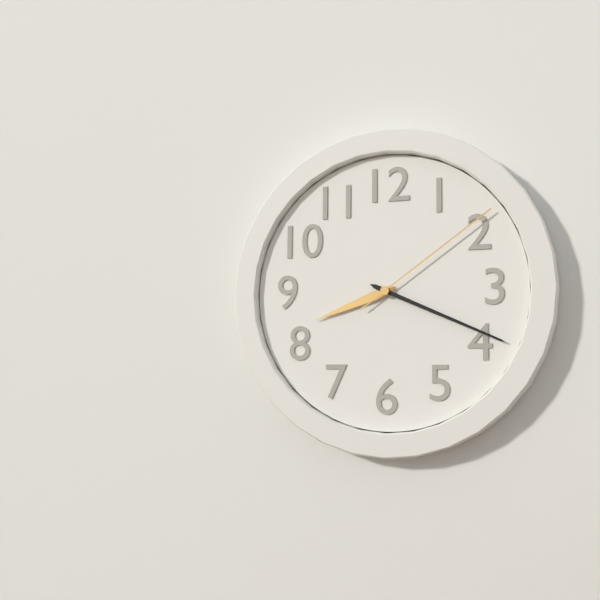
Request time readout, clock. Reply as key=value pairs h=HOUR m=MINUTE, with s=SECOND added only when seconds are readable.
h=8 m=19 s=9
